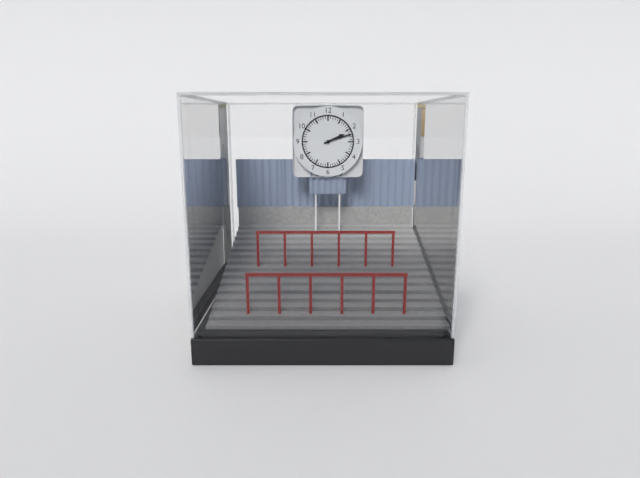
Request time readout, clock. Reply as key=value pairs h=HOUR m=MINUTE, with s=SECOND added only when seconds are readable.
h=2 m=12
